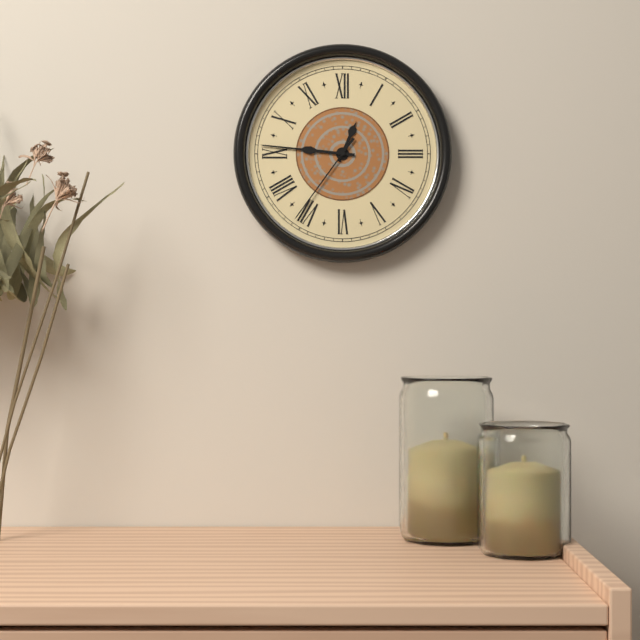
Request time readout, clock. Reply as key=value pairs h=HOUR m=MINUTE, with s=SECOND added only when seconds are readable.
h=12 m=46 s=36
